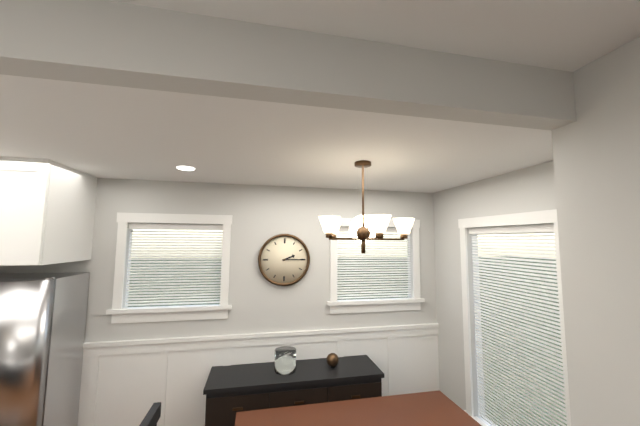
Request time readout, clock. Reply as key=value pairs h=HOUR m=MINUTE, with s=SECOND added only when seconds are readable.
h=2 m=15
